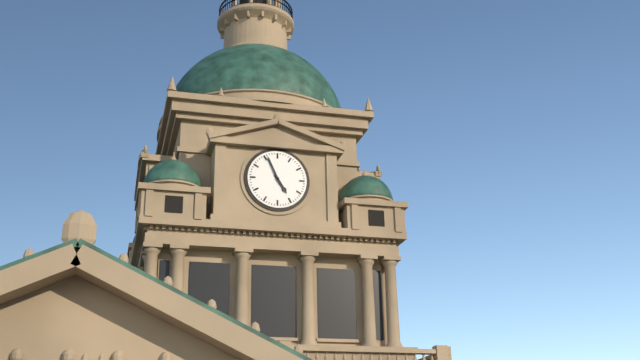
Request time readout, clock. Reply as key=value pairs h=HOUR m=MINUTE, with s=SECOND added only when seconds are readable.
h=4 m=56
